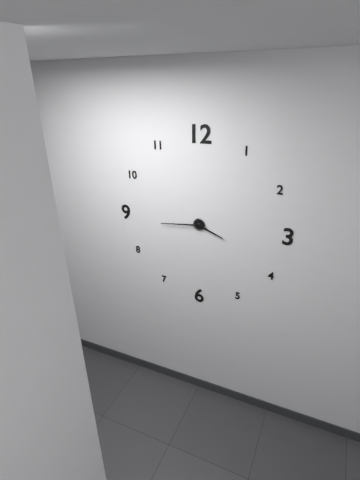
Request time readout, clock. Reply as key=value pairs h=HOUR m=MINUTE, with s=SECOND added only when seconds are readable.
h=3 m=44
